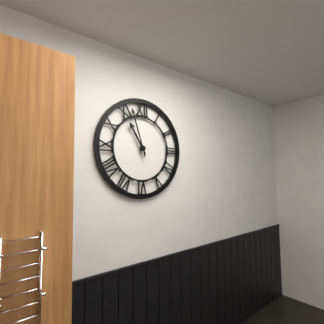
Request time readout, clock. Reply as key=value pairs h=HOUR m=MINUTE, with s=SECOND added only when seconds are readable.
h=10 m=57
